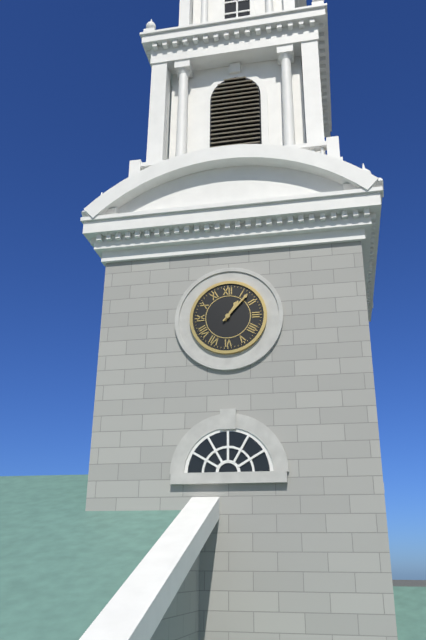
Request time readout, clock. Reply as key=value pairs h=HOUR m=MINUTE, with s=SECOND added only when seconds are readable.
h=1 m=7
